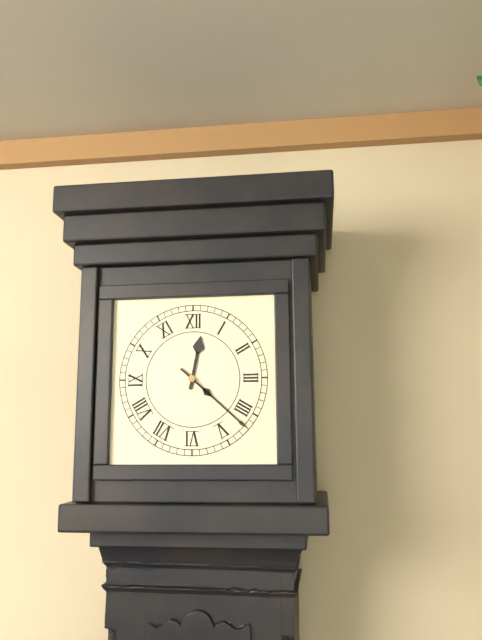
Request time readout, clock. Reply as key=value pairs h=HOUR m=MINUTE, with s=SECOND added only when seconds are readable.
h=12 m=22
